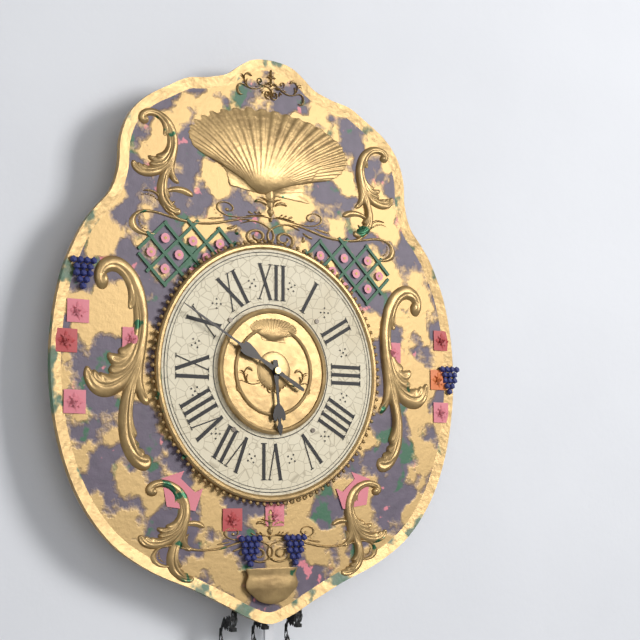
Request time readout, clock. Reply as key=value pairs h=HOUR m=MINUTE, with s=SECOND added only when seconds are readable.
h=5 m=50
